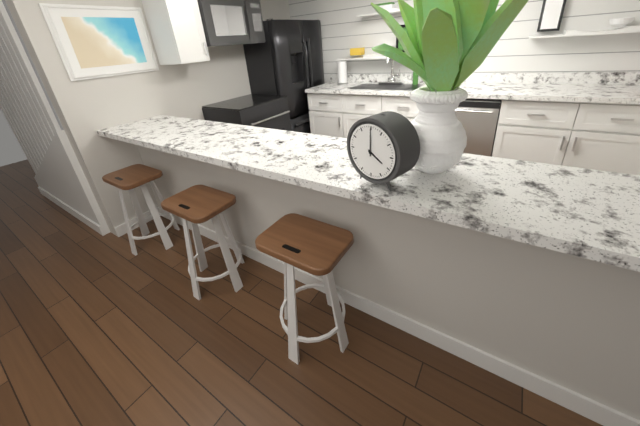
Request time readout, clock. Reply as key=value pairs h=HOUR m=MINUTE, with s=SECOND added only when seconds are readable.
h=4 m=0
